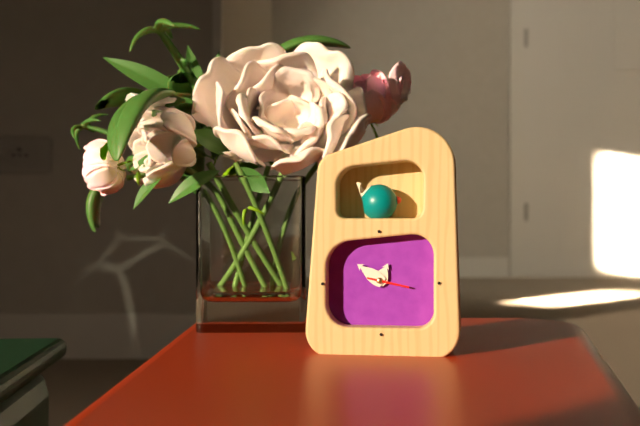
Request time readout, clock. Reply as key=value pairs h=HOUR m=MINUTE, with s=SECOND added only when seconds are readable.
h=12 m=51
